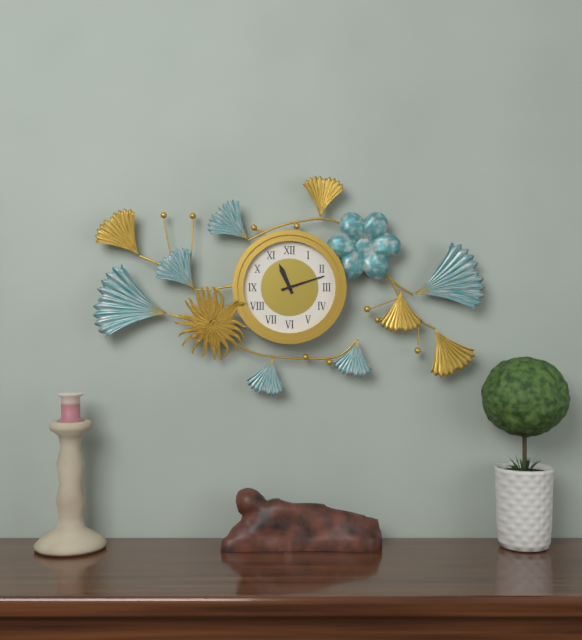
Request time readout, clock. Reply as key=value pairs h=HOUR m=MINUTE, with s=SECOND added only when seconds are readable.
h=11 m=12
